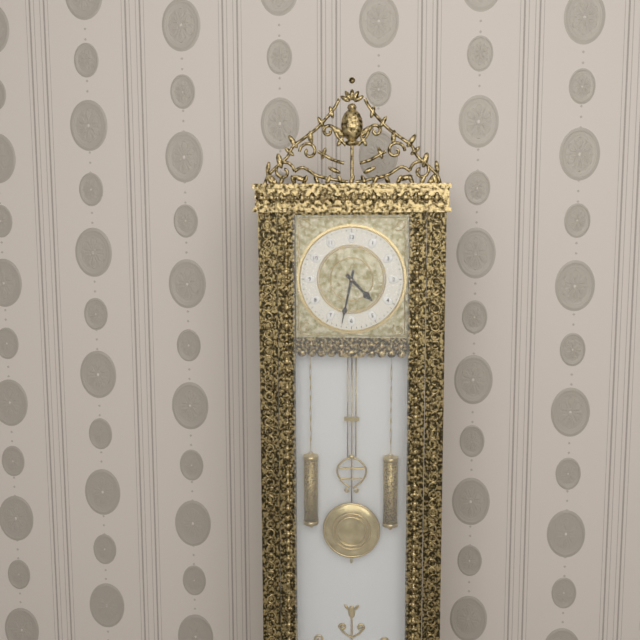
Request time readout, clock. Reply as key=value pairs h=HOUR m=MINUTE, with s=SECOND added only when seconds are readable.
h=4 m=32
